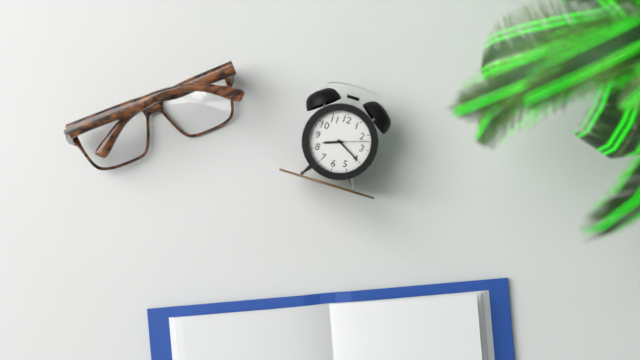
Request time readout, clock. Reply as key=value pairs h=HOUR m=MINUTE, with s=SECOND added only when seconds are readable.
h=8 m=20
